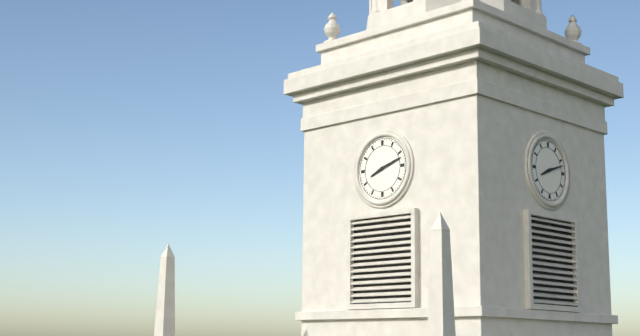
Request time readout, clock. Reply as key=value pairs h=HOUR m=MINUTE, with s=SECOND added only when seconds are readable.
h=8 m=12
